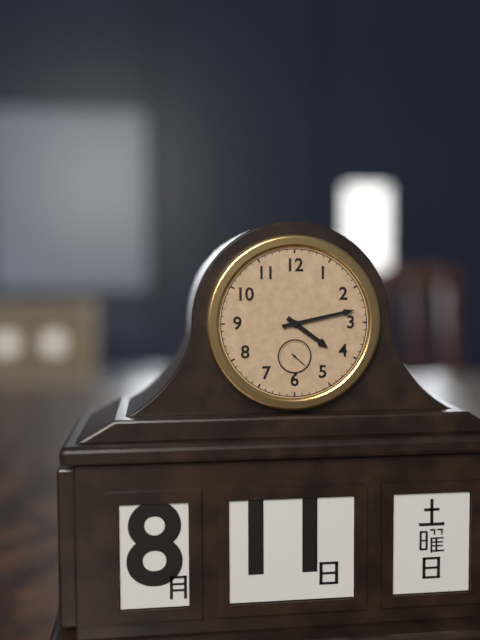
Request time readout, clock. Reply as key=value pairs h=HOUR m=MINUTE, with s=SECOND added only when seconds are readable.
h=4 m=13
